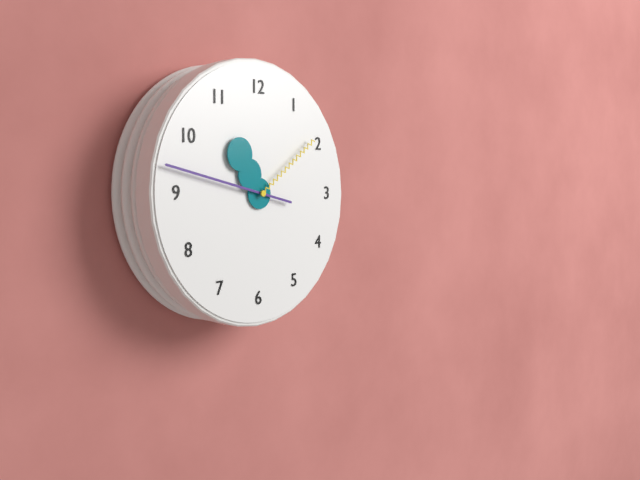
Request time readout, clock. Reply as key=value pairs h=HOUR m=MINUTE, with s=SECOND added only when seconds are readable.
h=10 m=47 s=9
